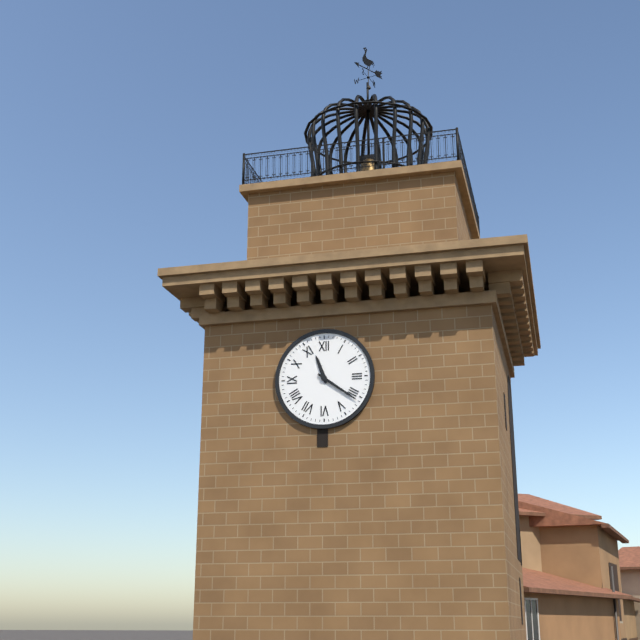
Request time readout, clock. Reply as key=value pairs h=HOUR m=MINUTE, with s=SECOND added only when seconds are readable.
h=11 m=21
